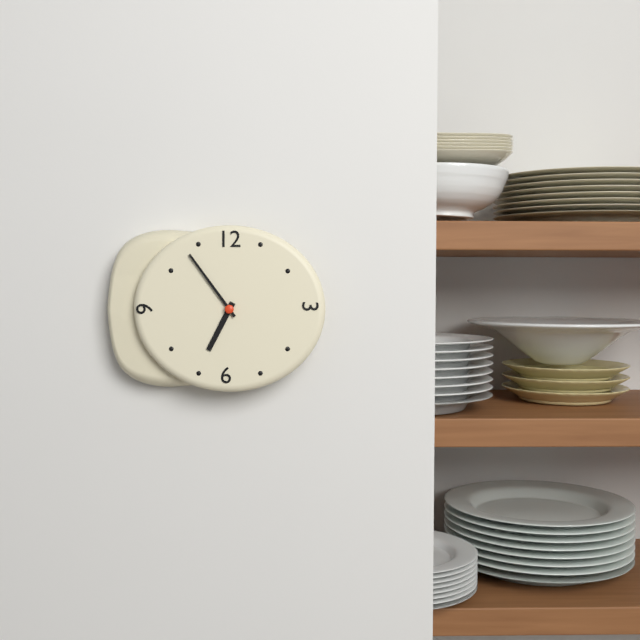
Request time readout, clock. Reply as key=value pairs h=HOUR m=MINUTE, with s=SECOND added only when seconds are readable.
h=6 m=54
